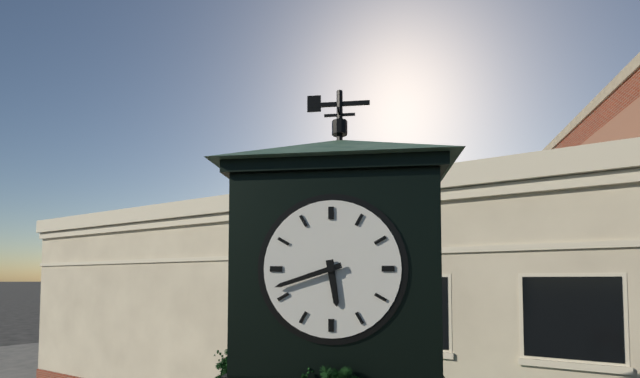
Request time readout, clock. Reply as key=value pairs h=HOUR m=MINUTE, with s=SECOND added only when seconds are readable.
h=5 m=42
